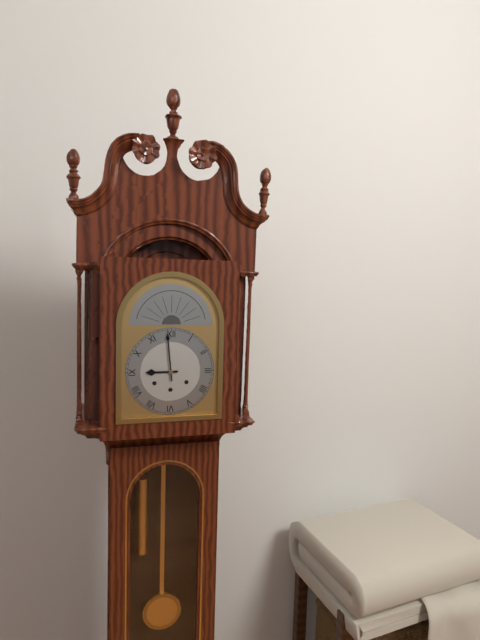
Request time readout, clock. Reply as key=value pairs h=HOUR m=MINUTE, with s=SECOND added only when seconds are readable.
h=8 m=59
